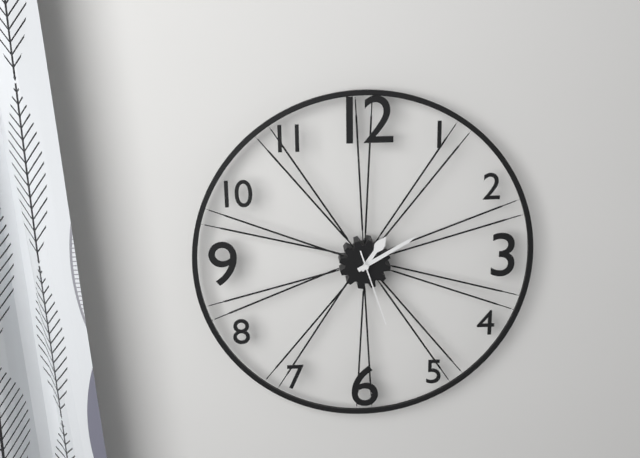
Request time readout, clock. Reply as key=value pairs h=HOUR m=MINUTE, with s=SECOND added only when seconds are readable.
h=1 m=10 s=27
